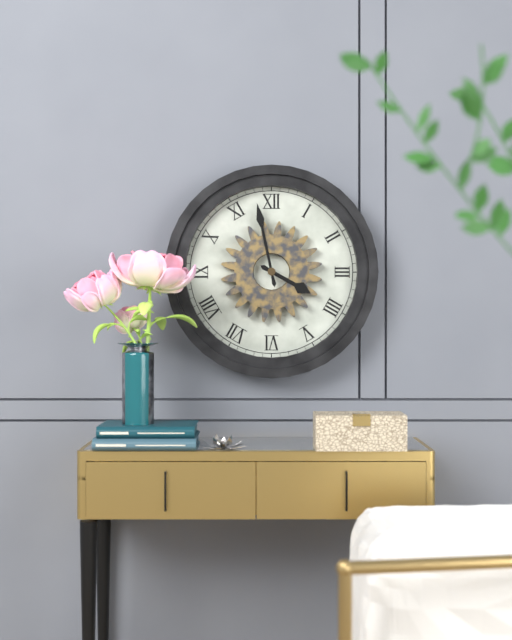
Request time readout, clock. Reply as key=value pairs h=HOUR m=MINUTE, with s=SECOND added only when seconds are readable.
h=3 m=58
